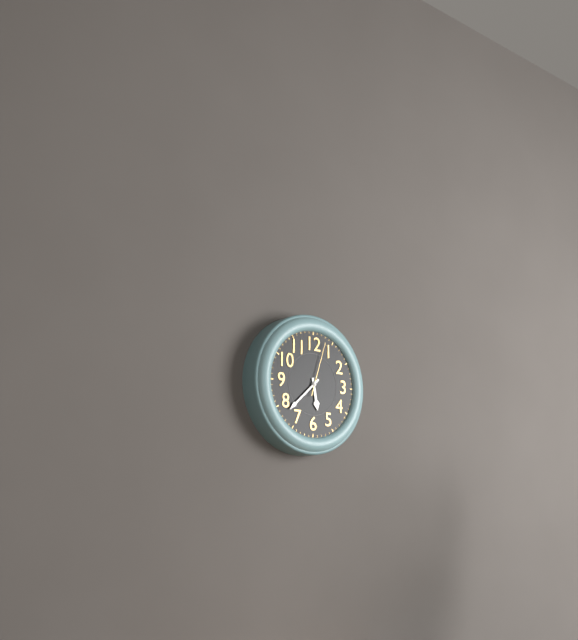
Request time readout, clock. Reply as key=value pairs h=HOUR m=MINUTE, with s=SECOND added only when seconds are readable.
h=5 m=38 s=3
